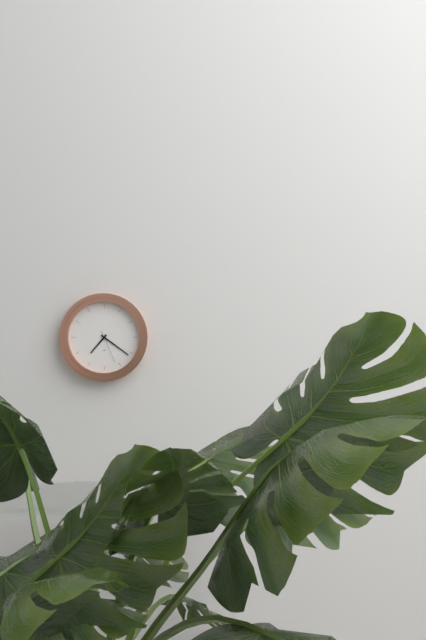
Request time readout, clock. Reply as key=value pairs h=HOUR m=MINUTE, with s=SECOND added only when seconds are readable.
h=7 m=21
